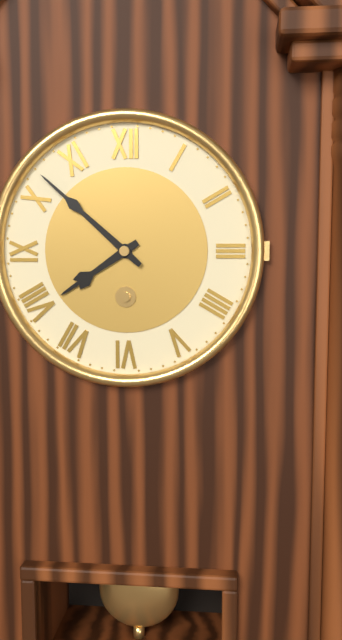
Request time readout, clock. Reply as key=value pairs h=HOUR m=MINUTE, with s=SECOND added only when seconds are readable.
h=7 m=52
